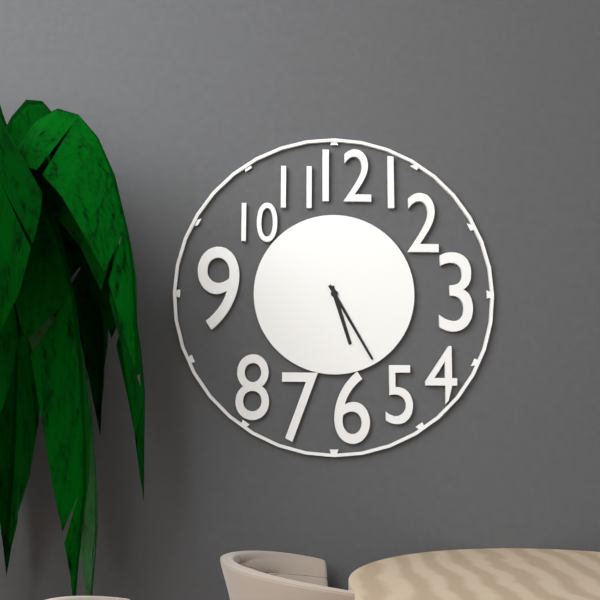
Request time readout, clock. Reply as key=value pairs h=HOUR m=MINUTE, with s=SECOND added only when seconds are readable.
h=5 m=25
